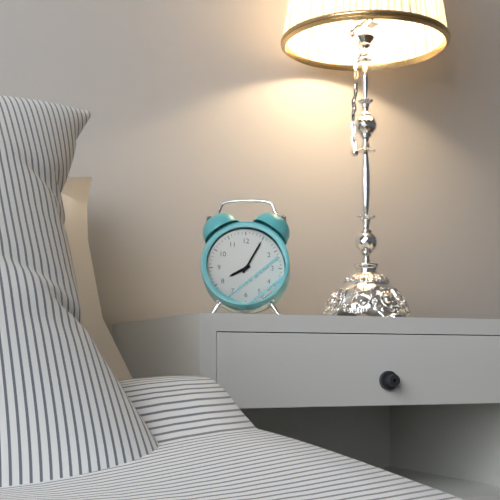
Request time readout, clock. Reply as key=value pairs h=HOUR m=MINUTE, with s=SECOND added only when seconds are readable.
h=8 m=5
